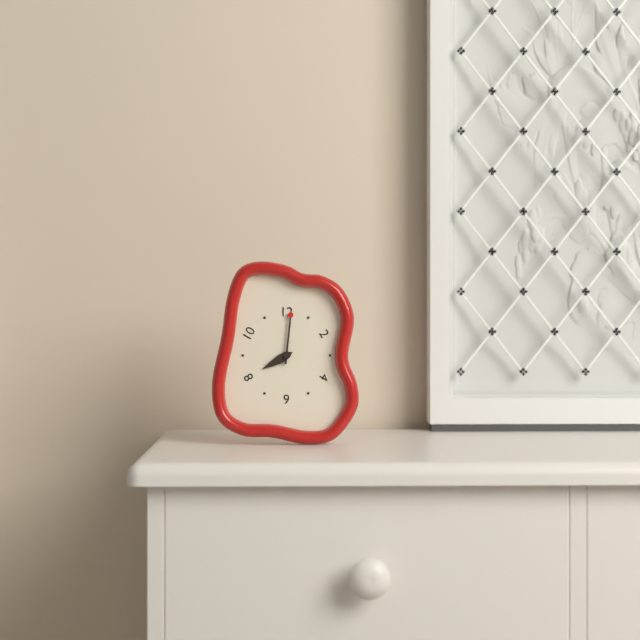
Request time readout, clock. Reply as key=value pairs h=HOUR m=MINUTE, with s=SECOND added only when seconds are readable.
h=8 m=1
